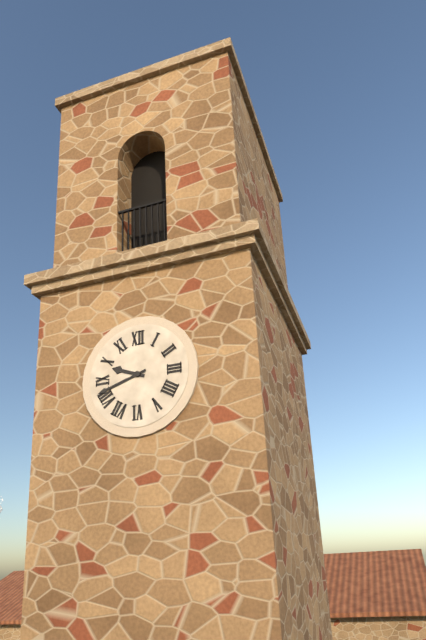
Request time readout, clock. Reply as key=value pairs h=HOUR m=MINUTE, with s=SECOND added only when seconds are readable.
h=9 m=42
